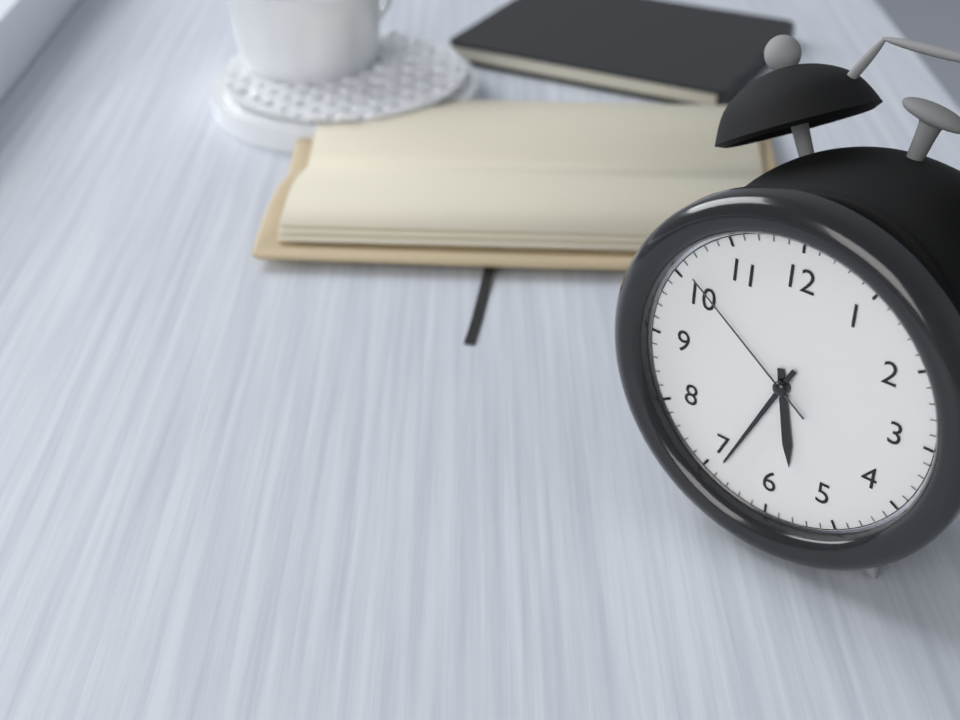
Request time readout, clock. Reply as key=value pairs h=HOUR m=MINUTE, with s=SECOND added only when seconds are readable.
h=5 m=34 s=51
